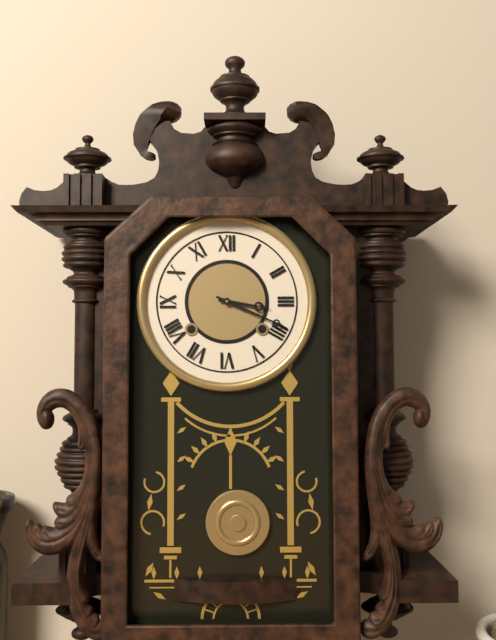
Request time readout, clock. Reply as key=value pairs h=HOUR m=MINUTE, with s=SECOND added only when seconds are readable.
h=3 m=19
